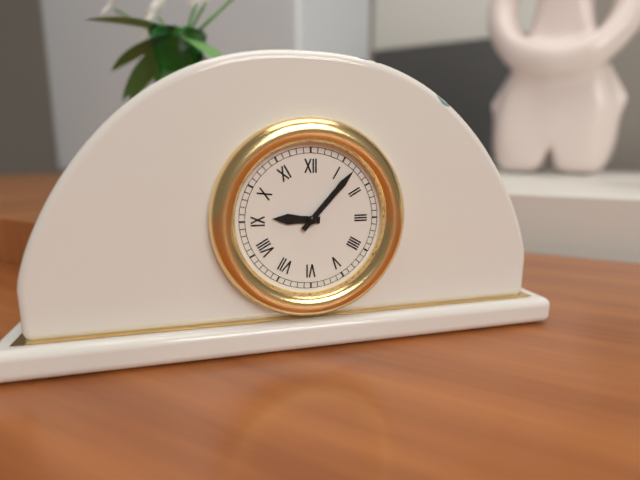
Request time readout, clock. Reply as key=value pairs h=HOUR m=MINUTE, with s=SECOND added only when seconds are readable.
h=9 m=7
